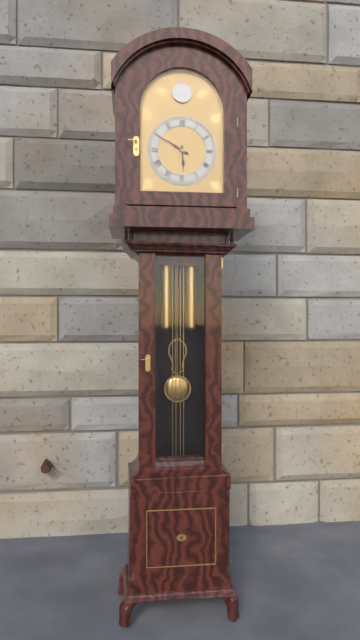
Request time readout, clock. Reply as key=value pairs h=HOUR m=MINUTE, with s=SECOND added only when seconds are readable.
h=5 m=50
